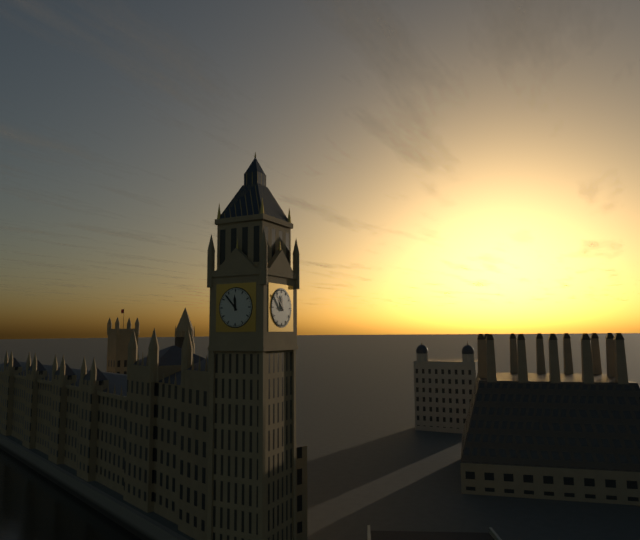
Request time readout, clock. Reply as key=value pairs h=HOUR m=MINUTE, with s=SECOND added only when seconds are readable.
h=11 m=53
